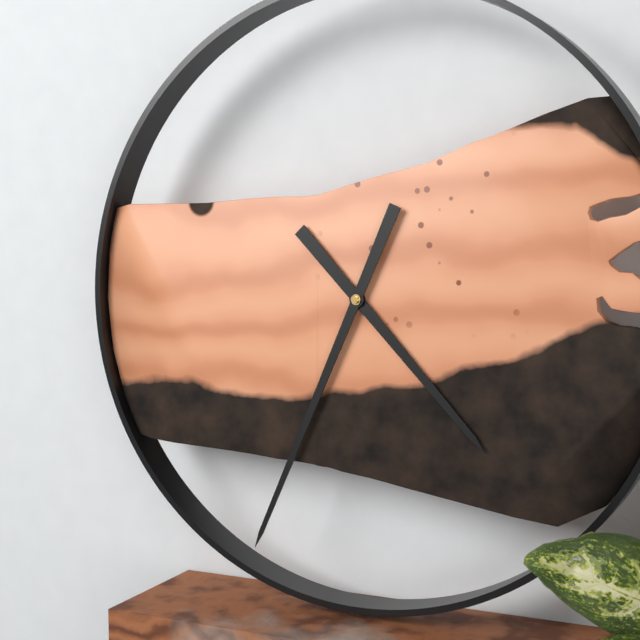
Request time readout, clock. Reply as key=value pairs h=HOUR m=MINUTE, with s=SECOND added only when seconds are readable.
h=4 m=34
